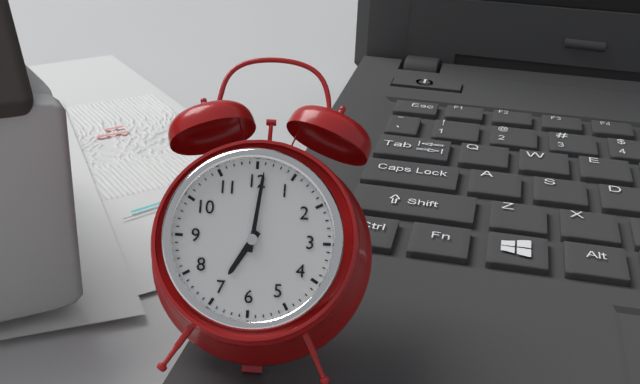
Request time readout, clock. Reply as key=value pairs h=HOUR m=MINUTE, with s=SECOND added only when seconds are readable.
h=7 m=1
